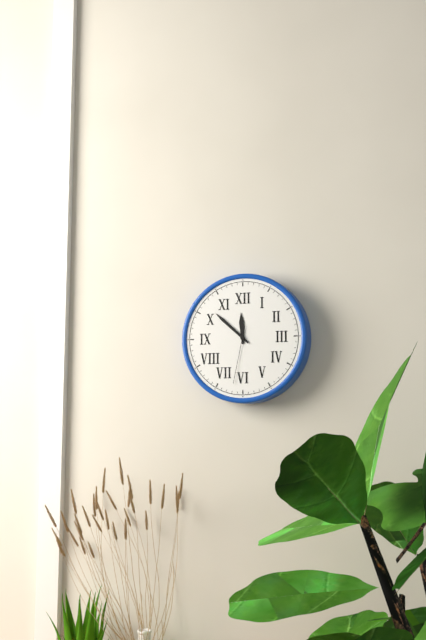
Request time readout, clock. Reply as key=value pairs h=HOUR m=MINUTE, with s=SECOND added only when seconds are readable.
h=11 m=52 s=32
